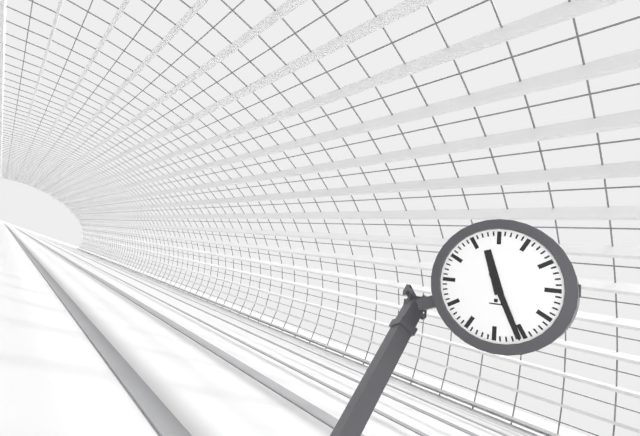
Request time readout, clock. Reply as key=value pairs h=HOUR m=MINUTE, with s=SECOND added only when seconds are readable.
h=11 m=26
